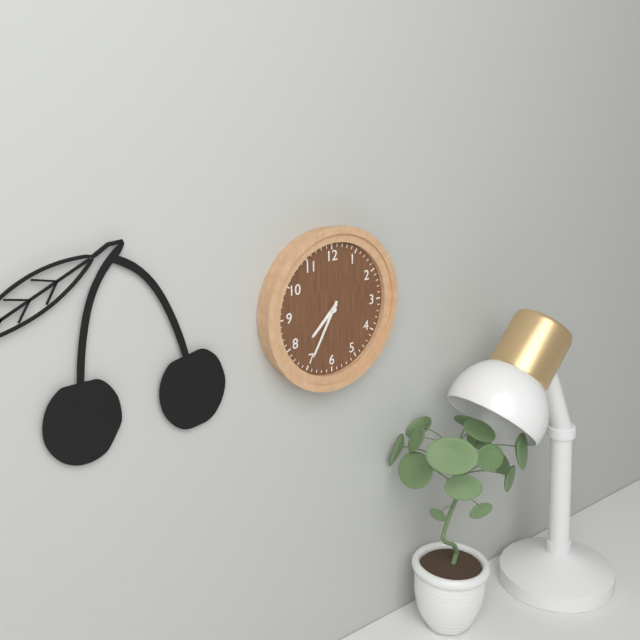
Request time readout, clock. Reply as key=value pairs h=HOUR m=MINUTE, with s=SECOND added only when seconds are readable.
h=7 m=35
